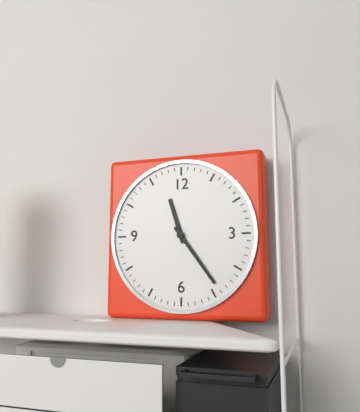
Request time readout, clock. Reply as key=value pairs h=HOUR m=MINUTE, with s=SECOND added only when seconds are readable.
h=11 m=24
